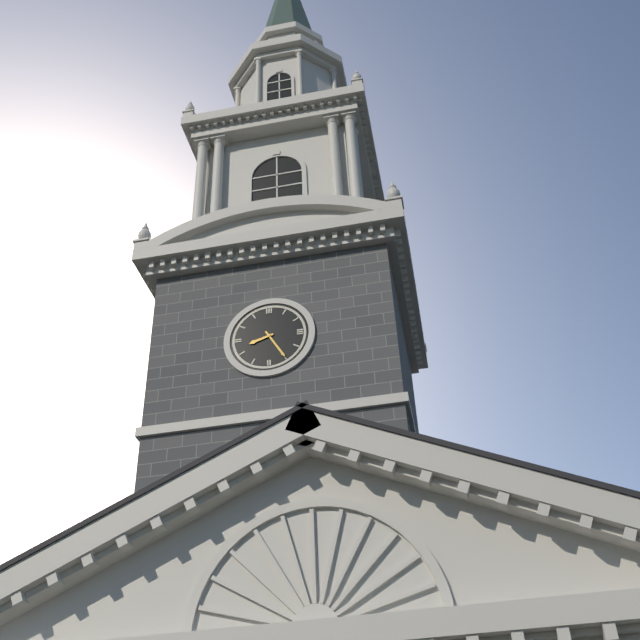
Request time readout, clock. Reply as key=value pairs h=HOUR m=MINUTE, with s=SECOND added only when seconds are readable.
h=8 m=25
